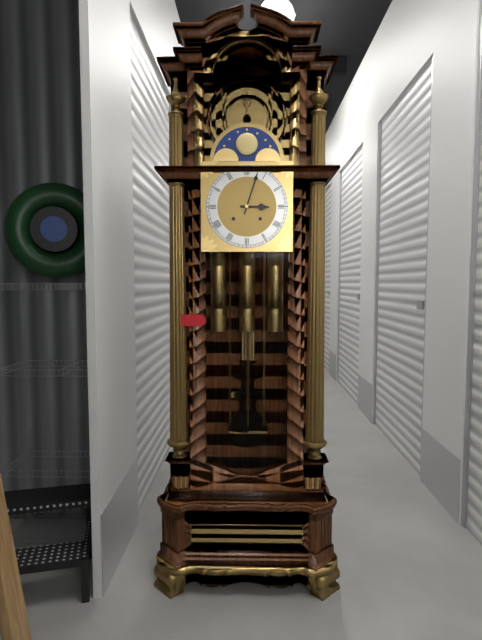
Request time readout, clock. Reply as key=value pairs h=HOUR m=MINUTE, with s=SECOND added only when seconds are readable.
h=3 m=3
